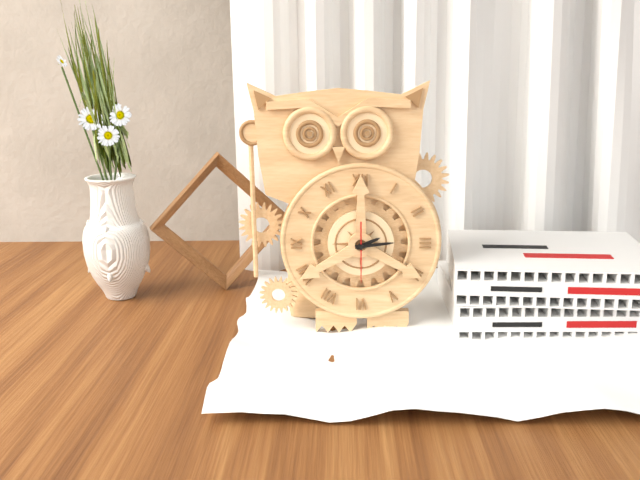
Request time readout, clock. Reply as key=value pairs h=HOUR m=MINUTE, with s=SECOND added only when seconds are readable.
h=2 m=14
